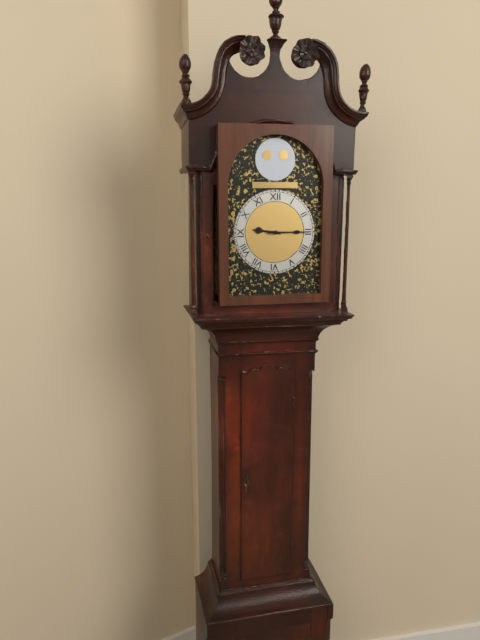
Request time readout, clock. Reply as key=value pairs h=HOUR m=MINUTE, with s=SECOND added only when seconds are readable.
h=9 m=15
